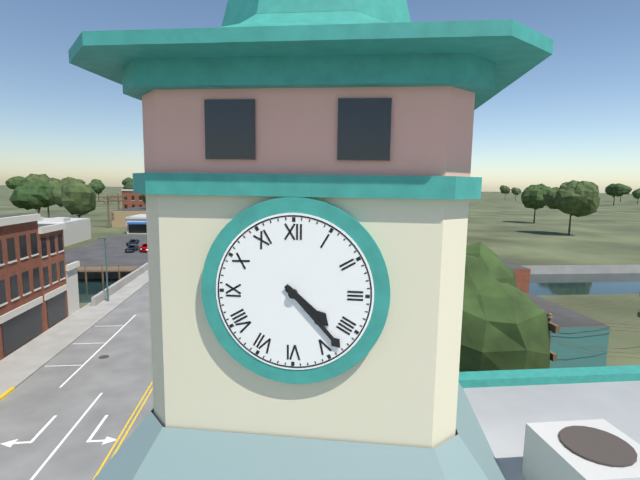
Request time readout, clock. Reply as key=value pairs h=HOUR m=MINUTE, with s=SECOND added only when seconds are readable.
h=4 m=23
